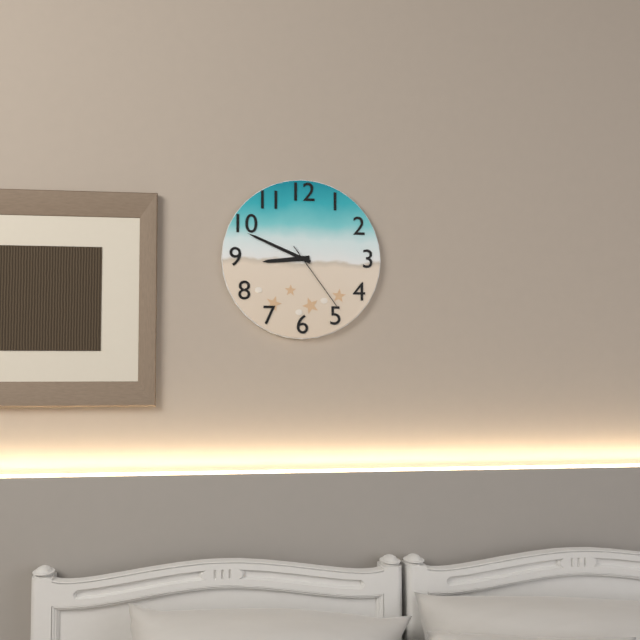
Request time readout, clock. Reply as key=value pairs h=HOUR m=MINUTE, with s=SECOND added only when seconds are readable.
h=8 m=49 s=24
